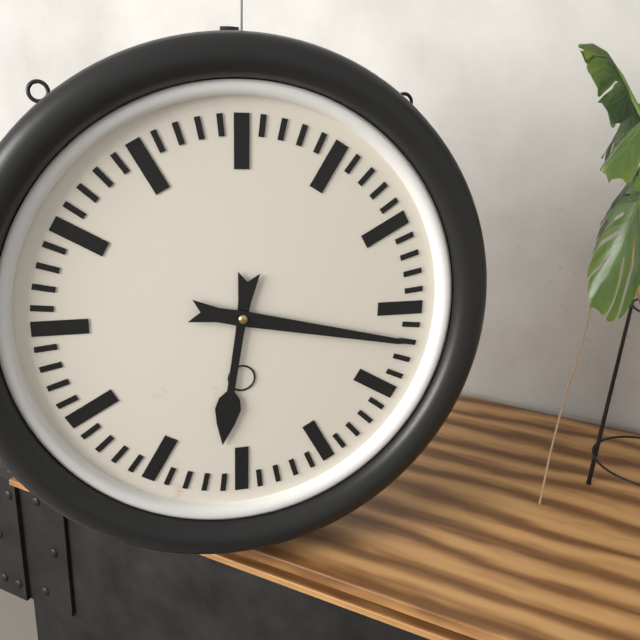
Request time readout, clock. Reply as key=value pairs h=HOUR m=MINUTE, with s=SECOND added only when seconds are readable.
h=6 m=17
